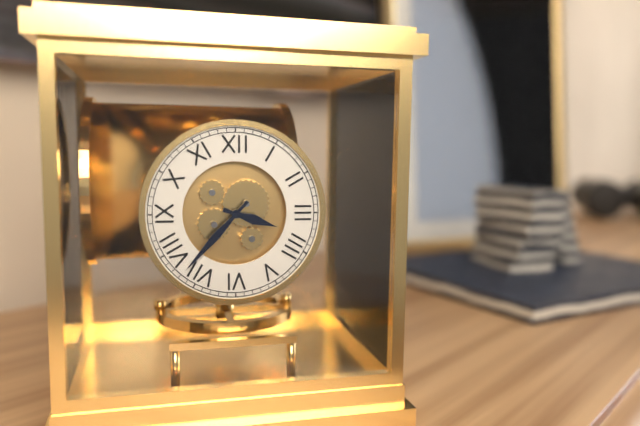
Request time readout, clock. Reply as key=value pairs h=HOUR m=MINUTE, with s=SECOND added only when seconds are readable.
h=3 m=37
